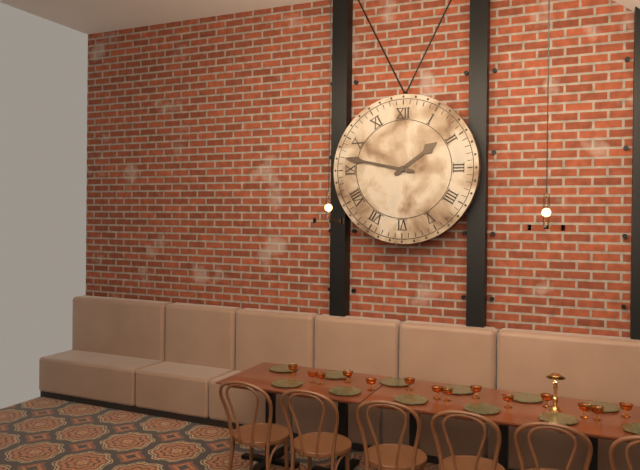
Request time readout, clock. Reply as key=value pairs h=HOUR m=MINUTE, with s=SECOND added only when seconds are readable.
h=1 m=47
